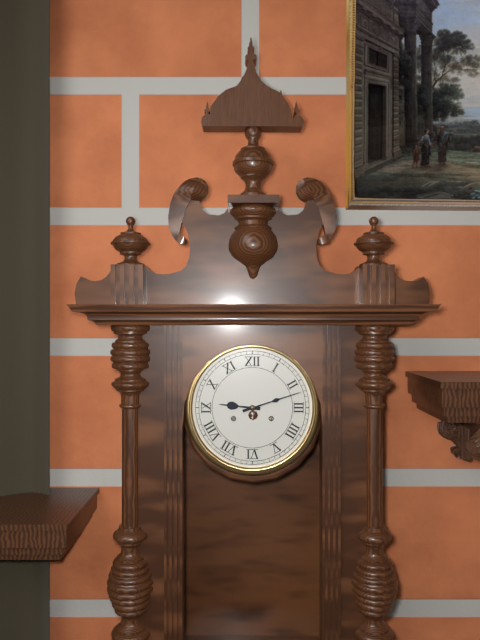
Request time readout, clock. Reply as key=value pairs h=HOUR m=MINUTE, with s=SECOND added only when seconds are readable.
h=9 m=12
